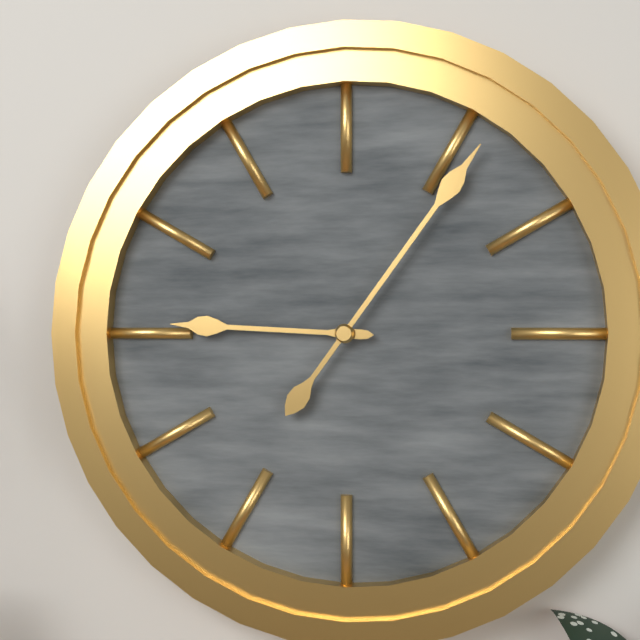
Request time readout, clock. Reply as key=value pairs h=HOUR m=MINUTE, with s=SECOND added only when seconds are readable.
h=9 m=6
